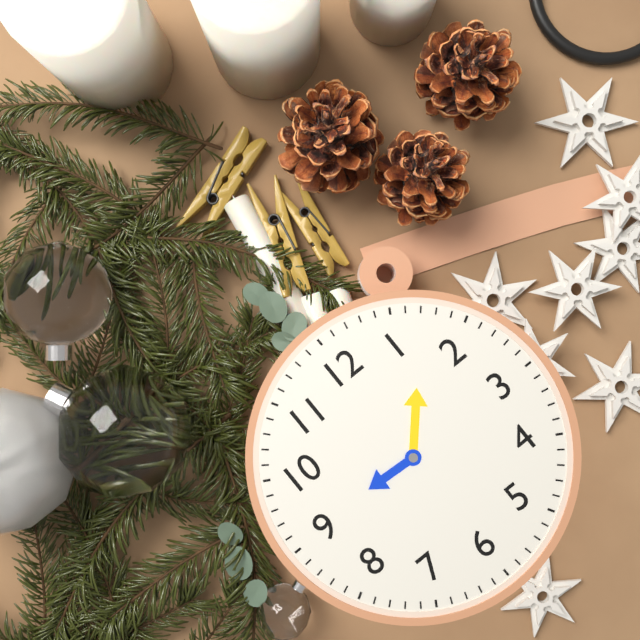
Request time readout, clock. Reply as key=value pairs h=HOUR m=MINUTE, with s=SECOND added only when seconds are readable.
h=9 m=7
